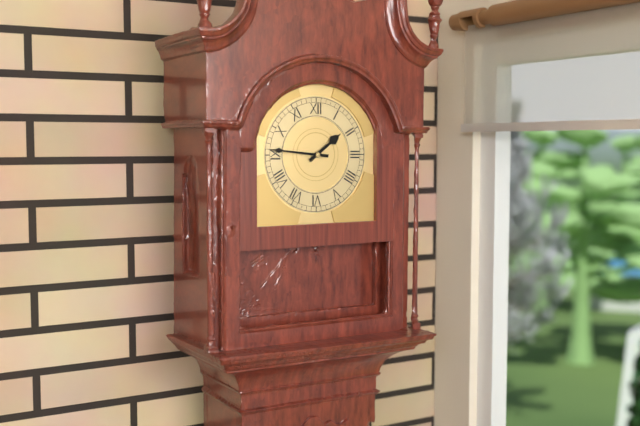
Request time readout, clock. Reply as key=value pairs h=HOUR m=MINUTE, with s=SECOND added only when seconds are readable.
h=1 m=46
